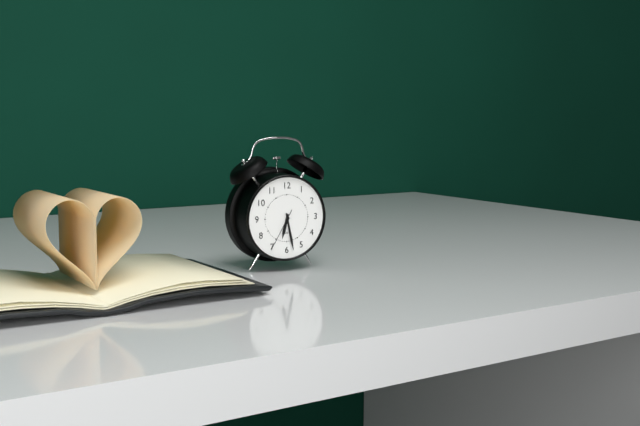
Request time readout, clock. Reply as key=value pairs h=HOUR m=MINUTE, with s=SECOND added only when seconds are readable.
h=6 m=28
